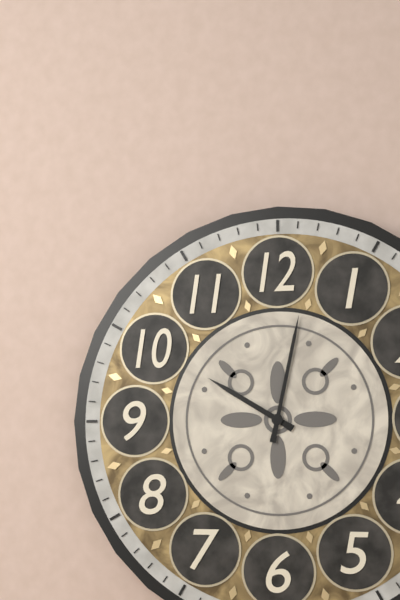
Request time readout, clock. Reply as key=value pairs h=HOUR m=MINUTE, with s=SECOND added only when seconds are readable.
h=10 m=2
